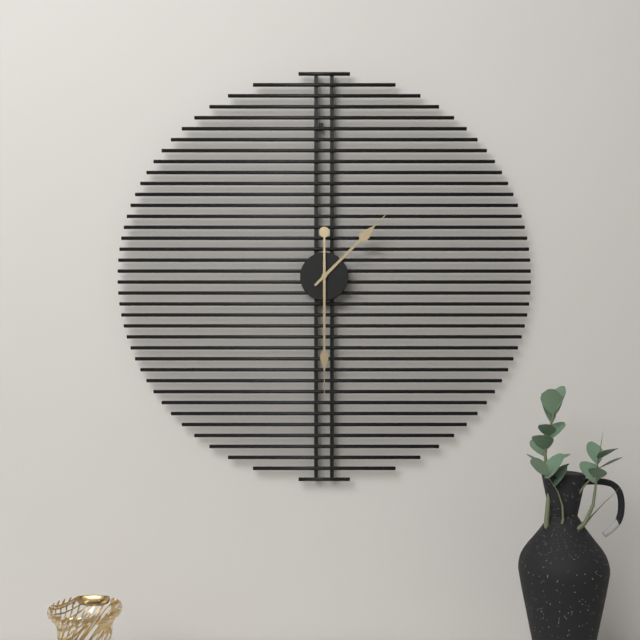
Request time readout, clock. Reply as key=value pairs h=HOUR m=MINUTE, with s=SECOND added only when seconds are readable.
h=1 m=30
